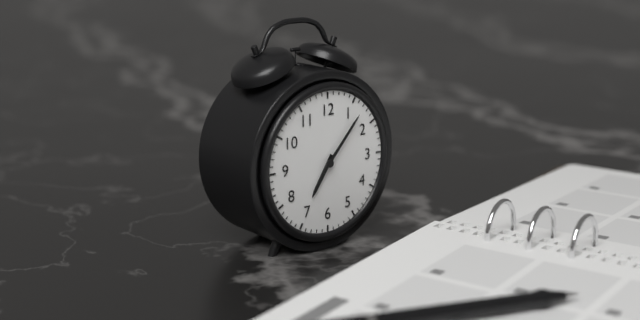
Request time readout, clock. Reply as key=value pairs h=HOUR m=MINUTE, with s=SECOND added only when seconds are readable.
h=7 m=7
